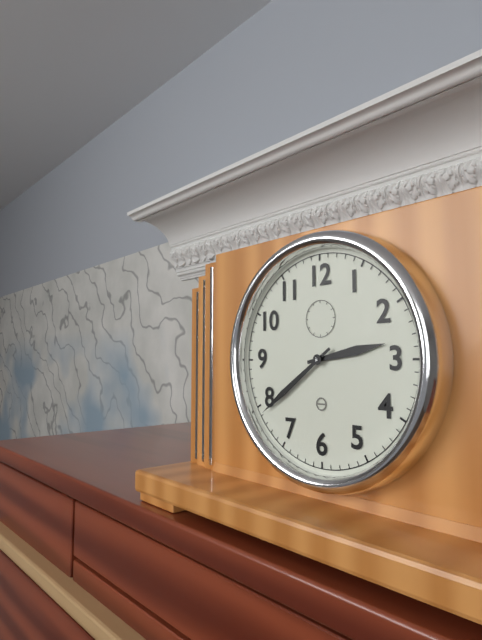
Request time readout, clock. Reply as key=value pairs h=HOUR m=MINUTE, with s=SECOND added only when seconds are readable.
h=2 m=39
